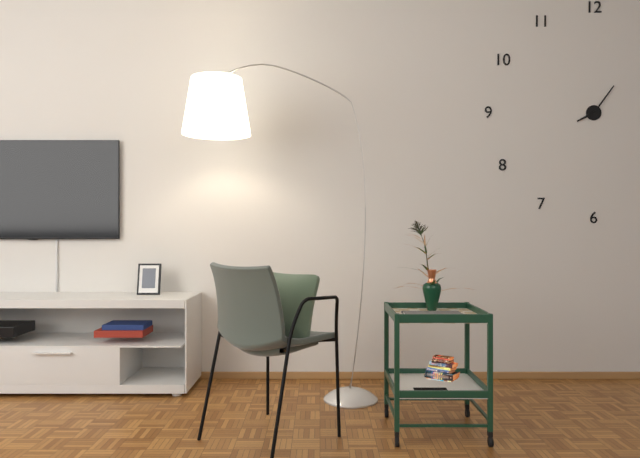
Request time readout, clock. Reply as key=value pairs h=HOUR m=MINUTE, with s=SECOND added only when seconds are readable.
h=8 m=6
